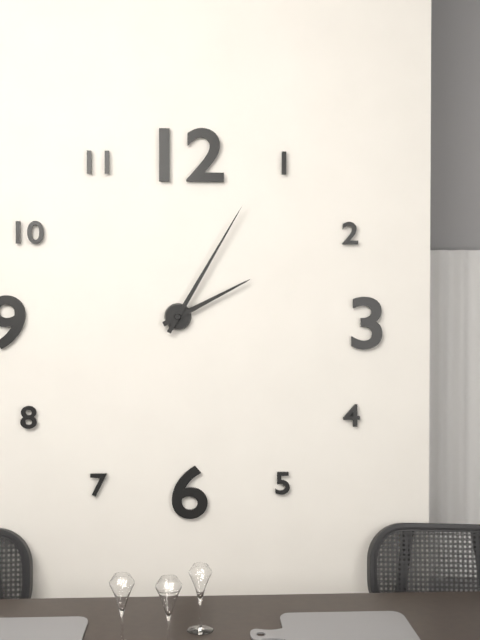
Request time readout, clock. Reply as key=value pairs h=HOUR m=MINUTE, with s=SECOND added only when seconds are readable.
h=2 m=5
